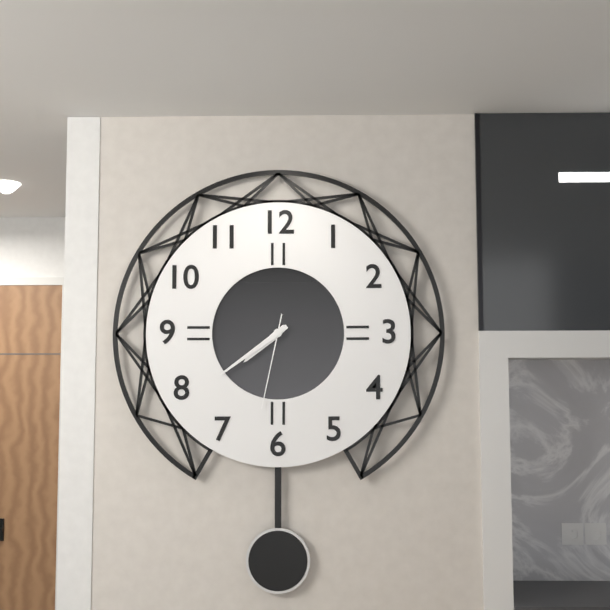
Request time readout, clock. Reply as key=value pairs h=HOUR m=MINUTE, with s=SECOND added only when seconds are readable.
h=7 m=39 s=32
